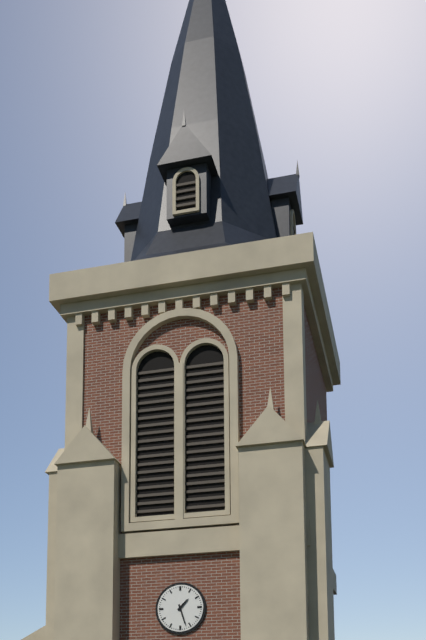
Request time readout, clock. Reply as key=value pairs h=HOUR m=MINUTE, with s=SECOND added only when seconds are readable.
h=1 m=27
